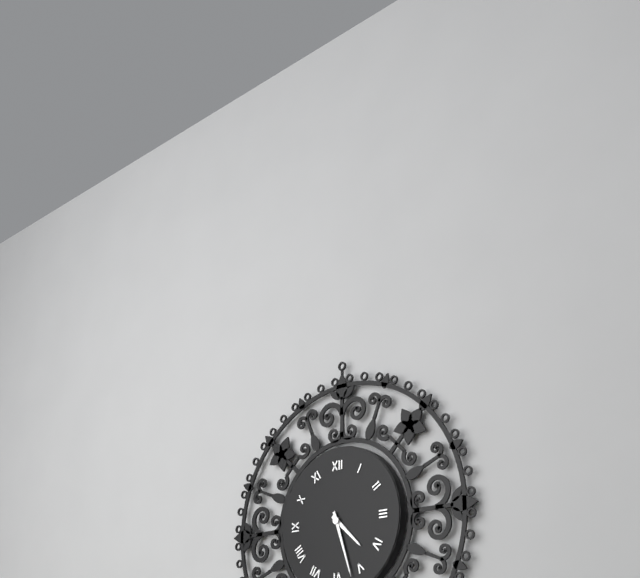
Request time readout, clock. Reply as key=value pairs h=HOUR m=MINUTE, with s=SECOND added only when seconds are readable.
h=4 m=27
